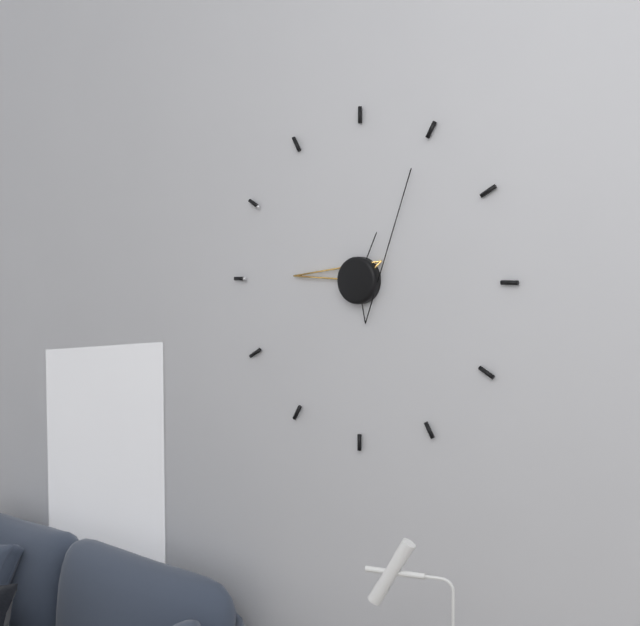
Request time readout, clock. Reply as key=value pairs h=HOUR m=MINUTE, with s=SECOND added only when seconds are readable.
h=9 m=5
